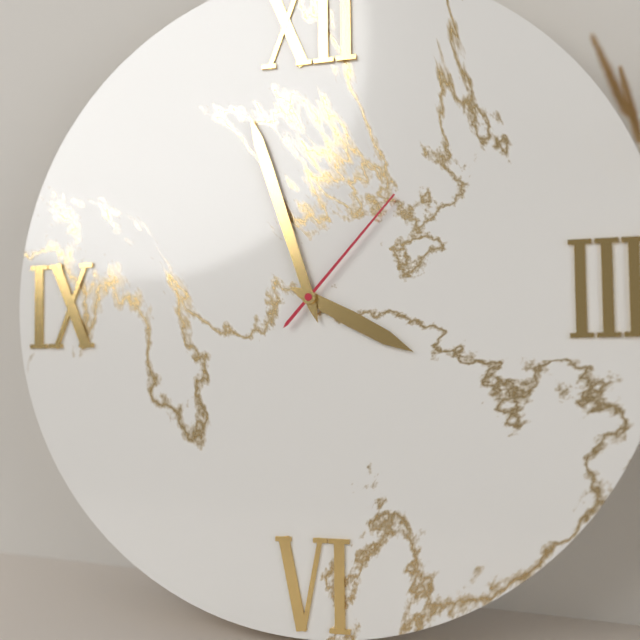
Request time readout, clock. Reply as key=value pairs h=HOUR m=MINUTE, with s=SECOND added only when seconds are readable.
h=3 m=57 s=7
